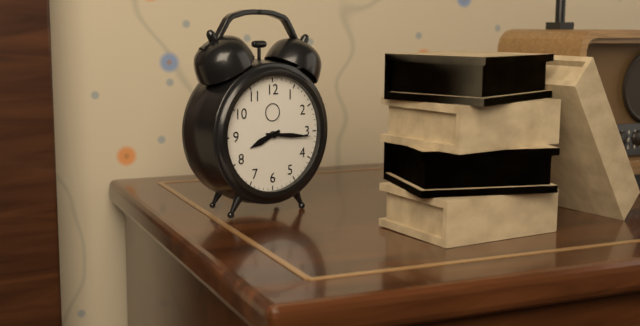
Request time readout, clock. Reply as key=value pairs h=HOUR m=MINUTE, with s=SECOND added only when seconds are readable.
h=8 m=16
